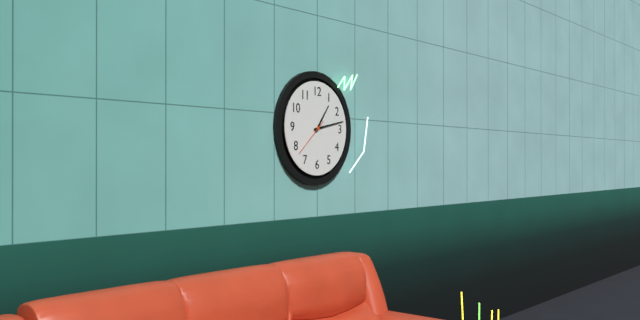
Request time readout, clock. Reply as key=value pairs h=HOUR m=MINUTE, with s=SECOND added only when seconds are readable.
h=1 m=13
